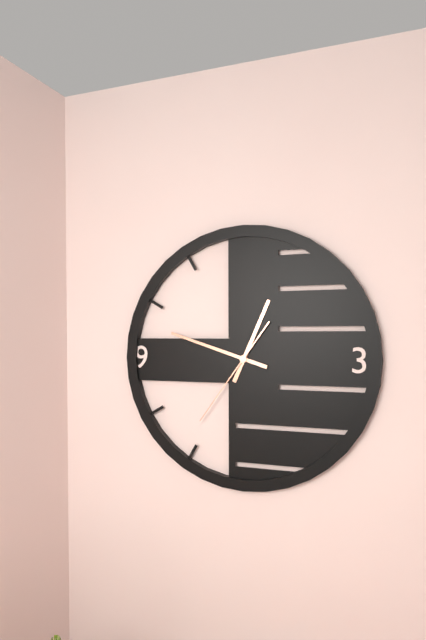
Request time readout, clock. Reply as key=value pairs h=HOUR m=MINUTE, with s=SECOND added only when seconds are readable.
h=12 m=48 s=36
